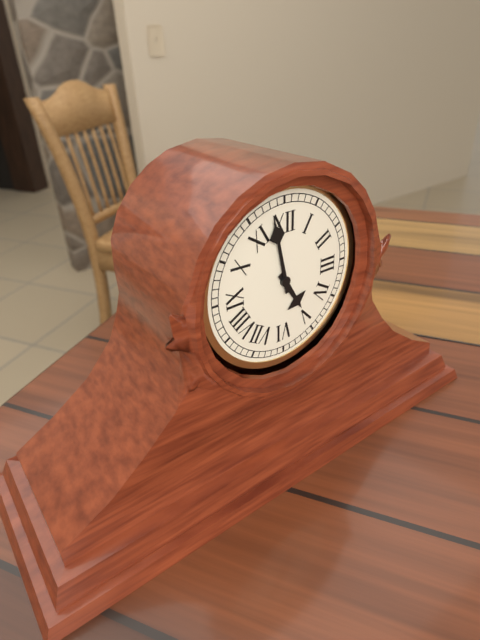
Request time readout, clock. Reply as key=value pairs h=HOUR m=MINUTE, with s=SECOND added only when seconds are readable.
h=4 m=58
